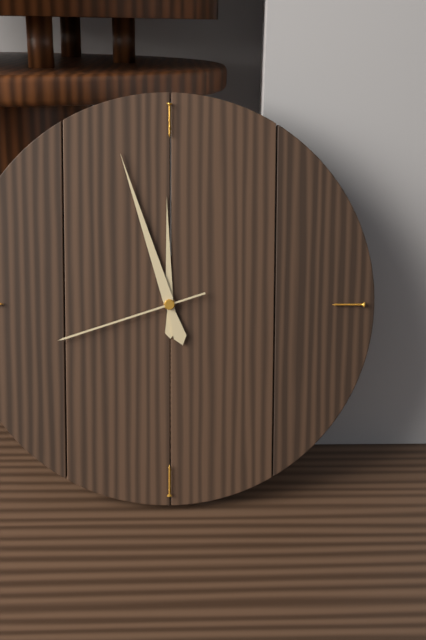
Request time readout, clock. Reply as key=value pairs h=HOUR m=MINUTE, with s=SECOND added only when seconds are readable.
h=11 m=57 s=42
